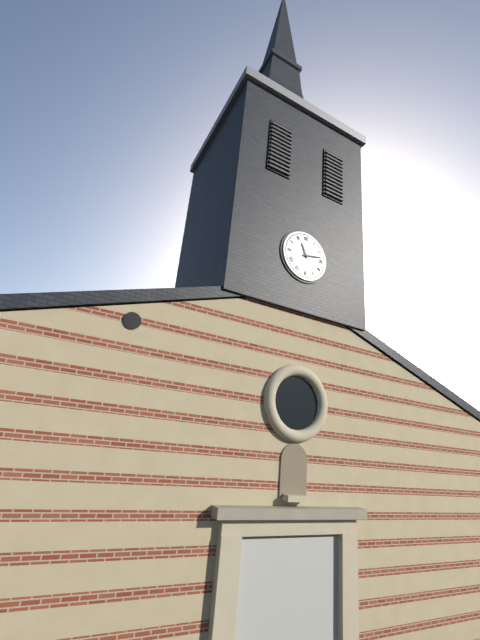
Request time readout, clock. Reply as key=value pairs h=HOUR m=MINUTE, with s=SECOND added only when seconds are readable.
h=11 m=13
